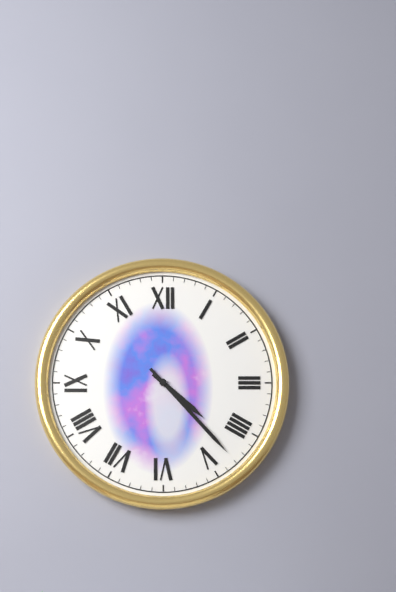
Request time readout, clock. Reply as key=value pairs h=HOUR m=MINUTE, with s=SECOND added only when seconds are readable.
h=4 m=23
